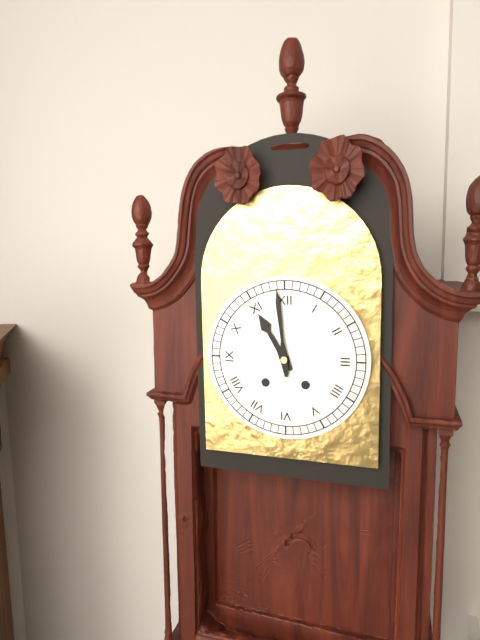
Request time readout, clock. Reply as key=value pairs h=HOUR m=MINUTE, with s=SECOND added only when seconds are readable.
h=10 m=59
